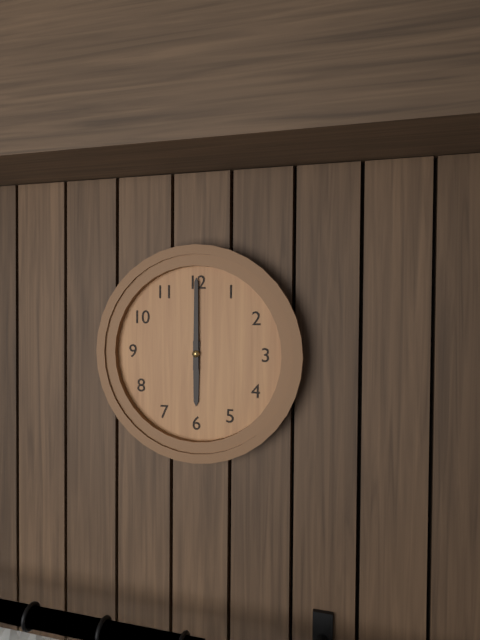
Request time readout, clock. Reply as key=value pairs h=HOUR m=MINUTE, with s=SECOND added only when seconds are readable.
h=6 m=0
